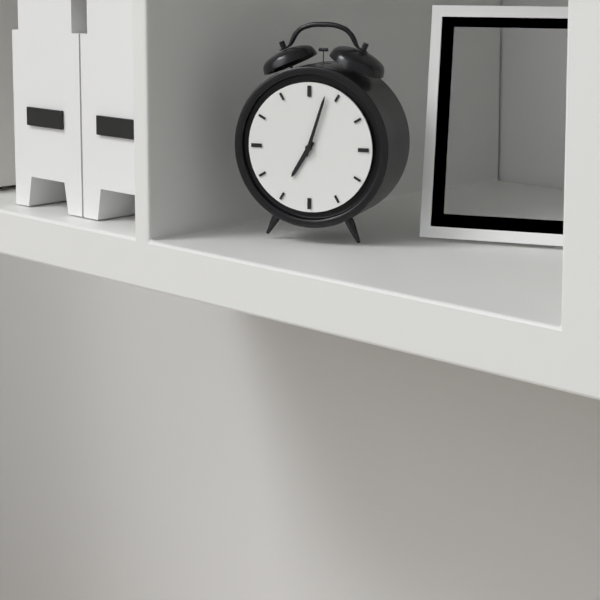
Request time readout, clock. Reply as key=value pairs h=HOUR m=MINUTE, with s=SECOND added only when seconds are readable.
h=7 m=3
